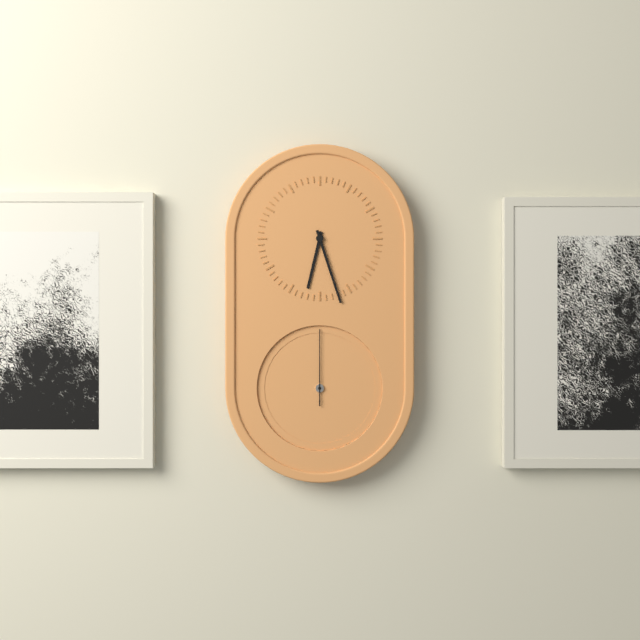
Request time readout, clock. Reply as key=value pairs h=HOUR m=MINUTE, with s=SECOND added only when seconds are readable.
h=6 m=27 s=0
